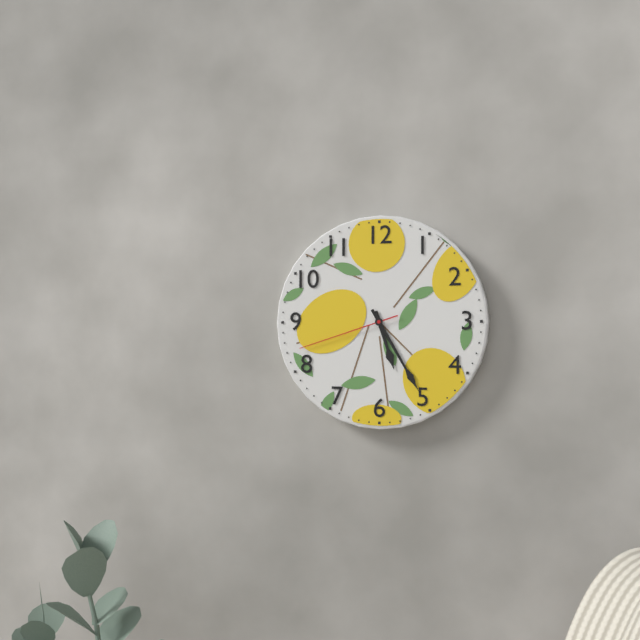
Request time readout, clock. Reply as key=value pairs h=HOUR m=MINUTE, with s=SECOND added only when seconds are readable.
h=5 m=25 s=42
